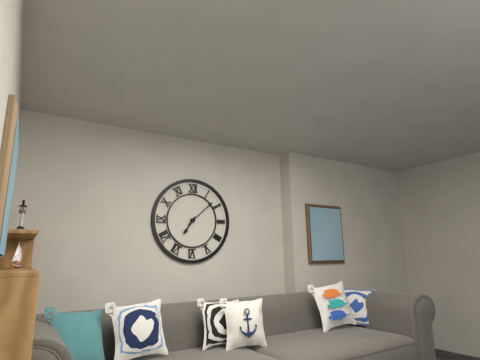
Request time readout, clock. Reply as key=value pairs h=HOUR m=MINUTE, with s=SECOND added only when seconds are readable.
h=7 m=8
